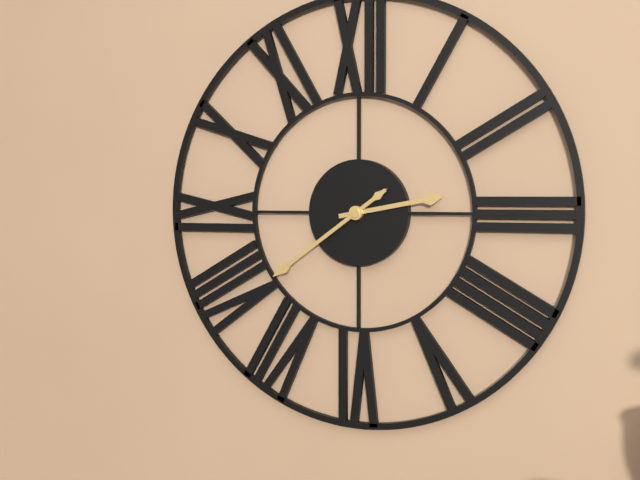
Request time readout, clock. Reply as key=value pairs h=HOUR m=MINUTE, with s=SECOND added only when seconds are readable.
h=2 m=39
